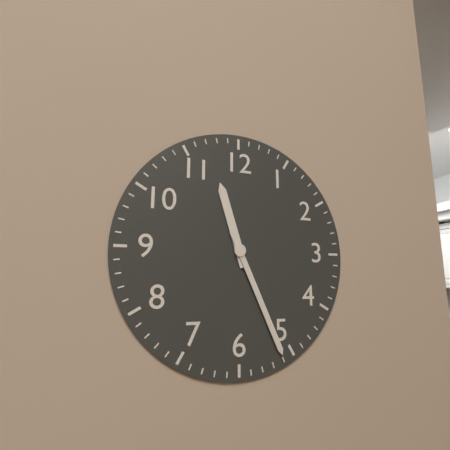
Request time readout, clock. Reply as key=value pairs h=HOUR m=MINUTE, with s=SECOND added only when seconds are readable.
h=11 m=26
